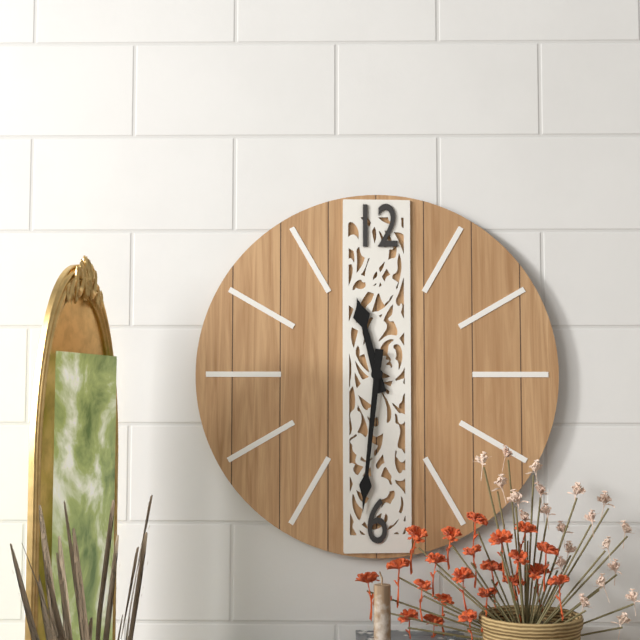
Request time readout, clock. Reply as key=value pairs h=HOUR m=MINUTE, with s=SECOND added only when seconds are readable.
h=11 m=31
